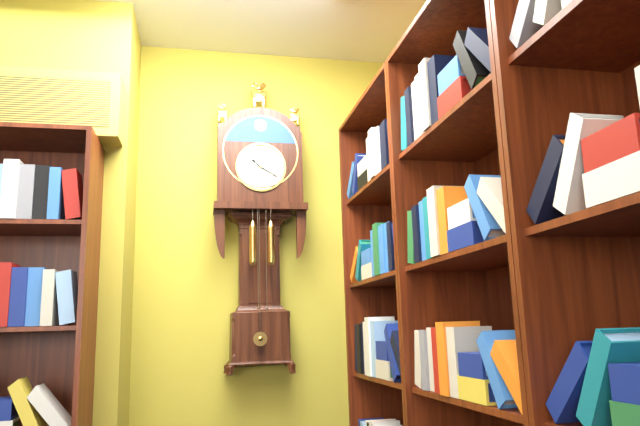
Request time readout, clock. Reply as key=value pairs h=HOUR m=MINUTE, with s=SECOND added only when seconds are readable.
h=10 m=20
